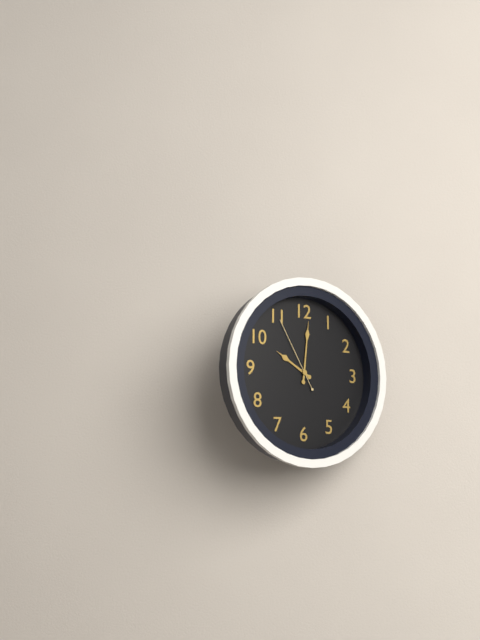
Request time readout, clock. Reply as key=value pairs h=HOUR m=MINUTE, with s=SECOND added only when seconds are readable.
h=10 m=1 s=55
